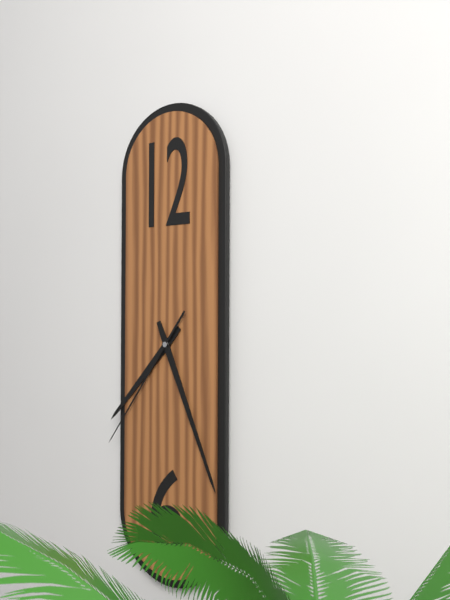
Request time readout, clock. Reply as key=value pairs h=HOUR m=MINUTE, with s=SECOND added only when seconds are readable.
h=7 m=26 s=36
